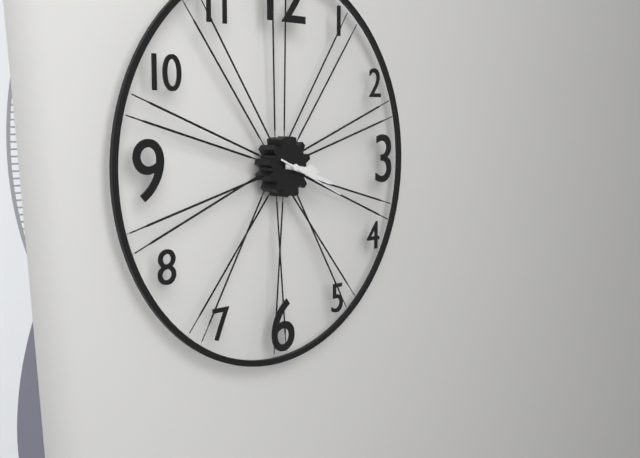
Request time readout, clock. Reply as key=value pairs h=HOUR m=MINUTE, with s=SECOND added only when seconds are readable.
h=3 m=18 s=19
